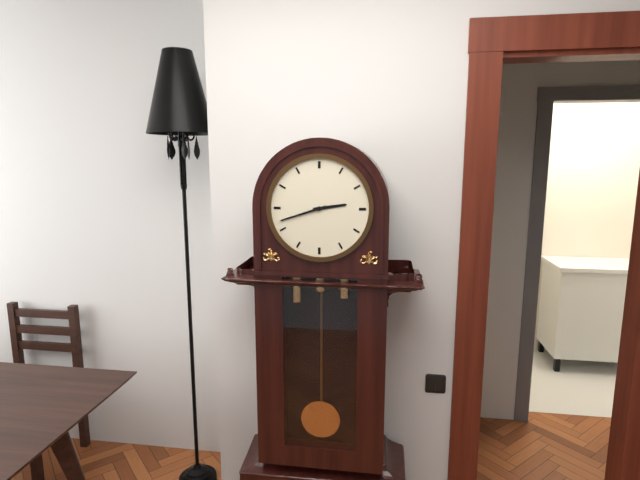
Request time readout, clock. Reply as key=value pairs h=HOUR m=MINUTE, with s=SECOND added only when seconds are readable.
h=2 m=42
